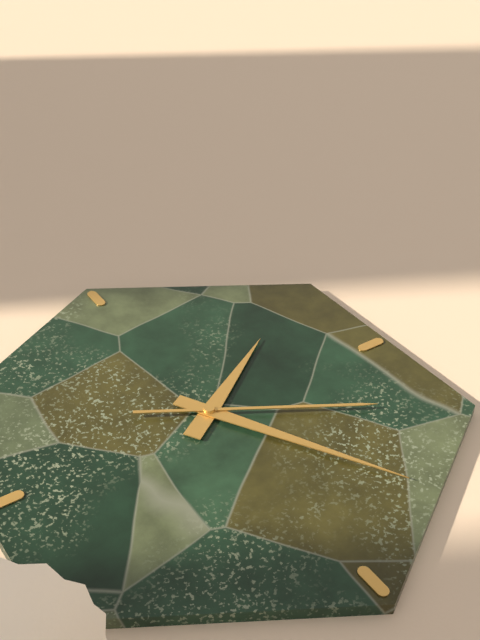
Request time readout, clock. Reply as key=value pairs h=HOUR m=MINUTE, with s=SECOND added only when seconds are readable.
h=7 m=55 s=50
